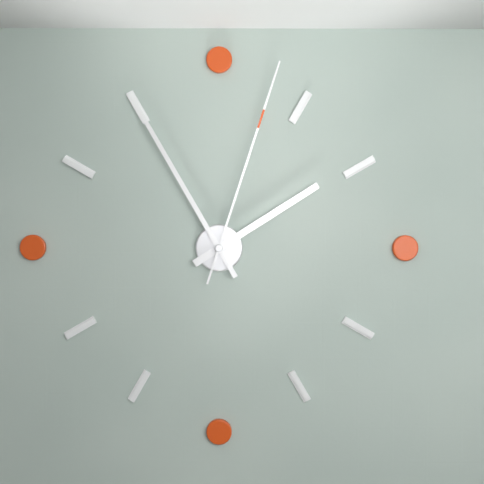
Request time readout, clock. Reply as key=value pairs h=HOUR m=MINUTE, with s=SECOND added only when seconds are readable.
h=1 m=55 s=3
